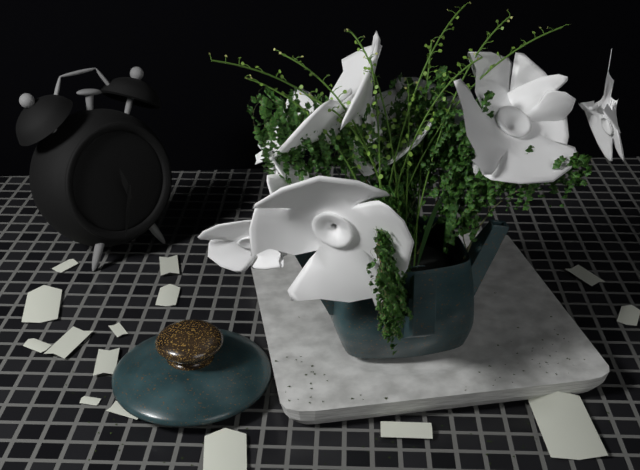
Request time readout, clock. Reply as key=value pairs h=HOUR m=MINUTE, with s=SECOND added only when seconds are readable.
h=11 m=32
